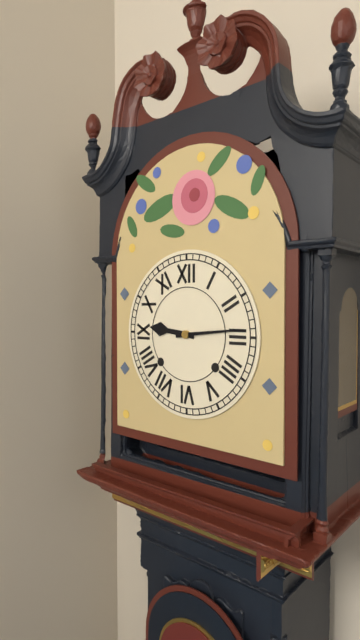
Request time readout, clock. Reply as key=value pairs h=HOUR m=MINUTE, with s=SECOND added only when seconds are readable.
h=9 m=14
